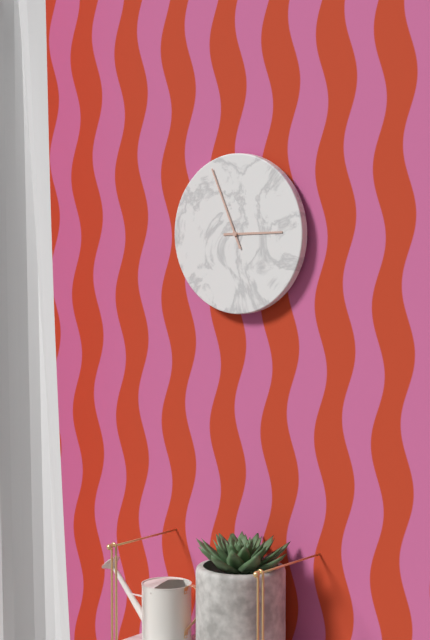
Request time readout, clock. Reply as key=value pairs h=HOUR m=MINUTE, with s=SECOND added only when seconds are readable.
h=2 m=56
